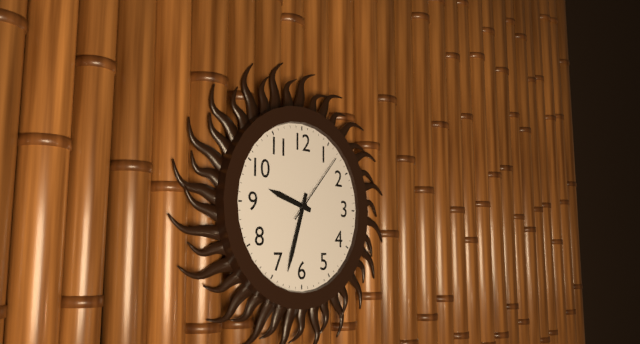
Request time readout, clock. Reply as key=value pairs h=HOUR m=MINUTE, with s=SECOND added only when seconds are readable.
h=9 m=33 s=7
